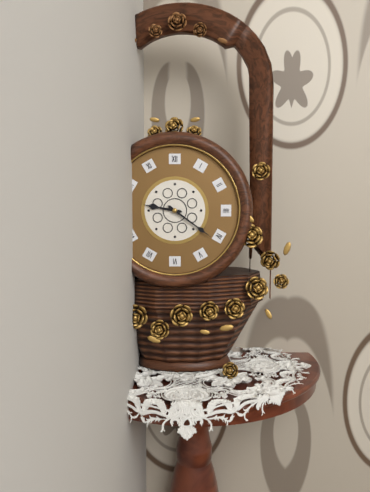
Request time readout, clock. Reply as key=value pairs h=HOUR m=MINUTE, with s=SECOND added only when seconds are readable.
h=9 m=21
